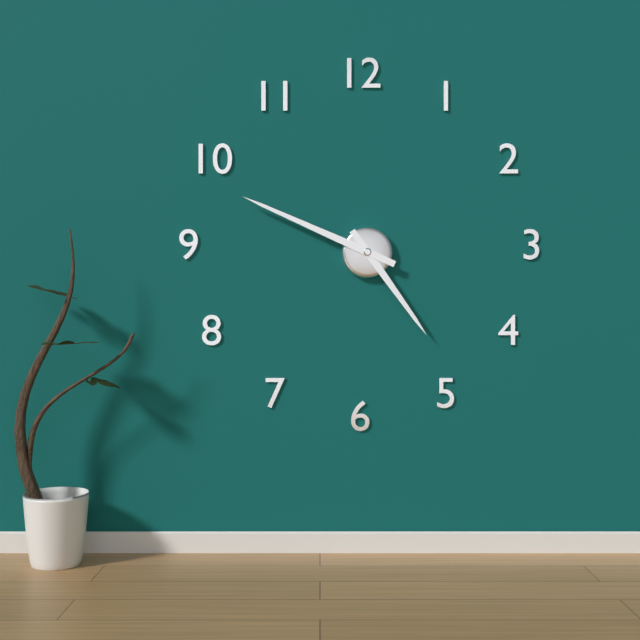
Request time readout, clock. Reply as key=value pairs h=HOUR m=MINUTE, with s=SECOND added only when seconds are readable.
h=4 m=49
